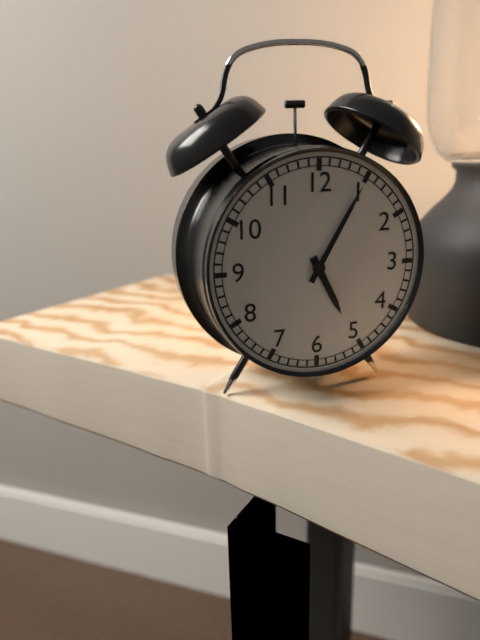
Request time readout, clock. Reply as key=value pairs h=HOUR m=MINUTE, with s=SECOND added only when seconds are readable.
h=5 m=5
